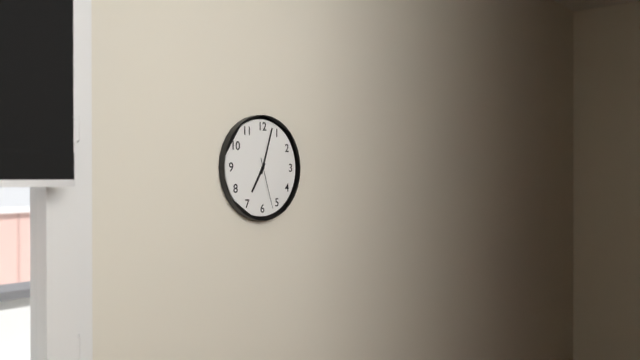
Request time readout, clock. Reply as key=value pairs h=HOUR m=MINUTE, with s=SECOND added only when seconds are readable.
h=7 m=3 s=27
